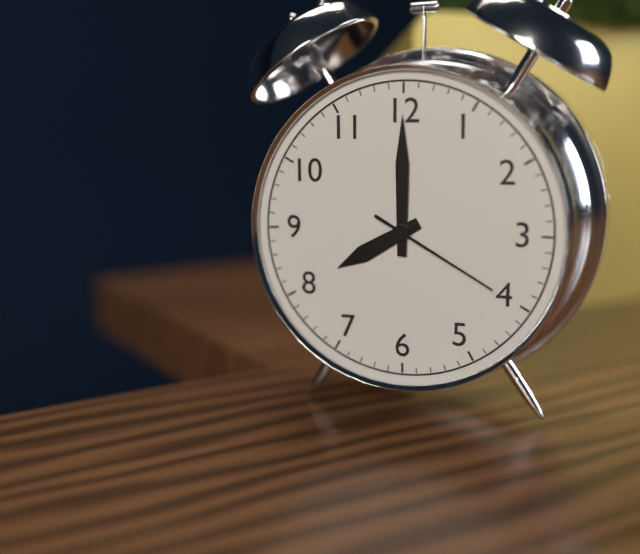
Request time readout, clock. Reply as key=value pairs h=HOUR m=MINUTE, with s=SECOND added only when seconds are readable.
h=8 m=0 s=20
